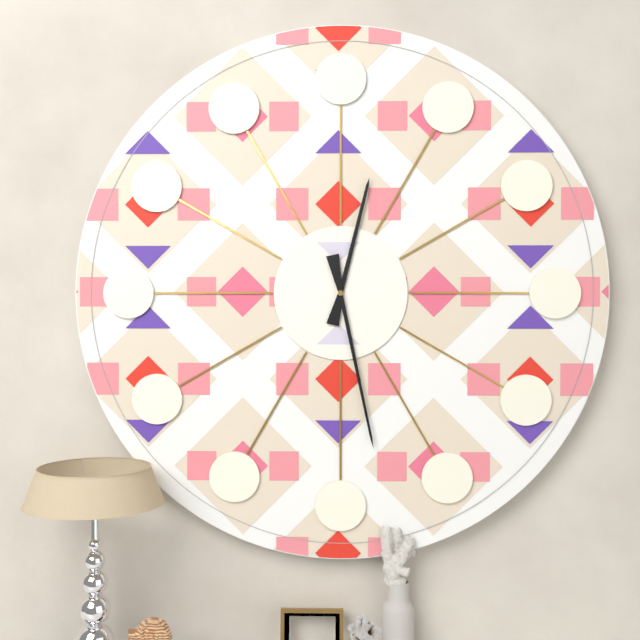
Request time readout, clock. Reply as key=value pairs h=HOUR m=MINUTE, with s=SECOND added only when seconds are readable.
h=12 m=28
